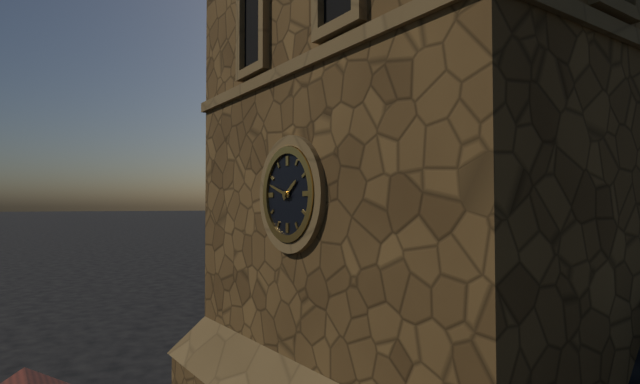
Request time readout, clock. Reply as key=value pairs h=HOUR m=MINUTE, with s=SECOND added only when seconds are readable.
h=1 m=48
